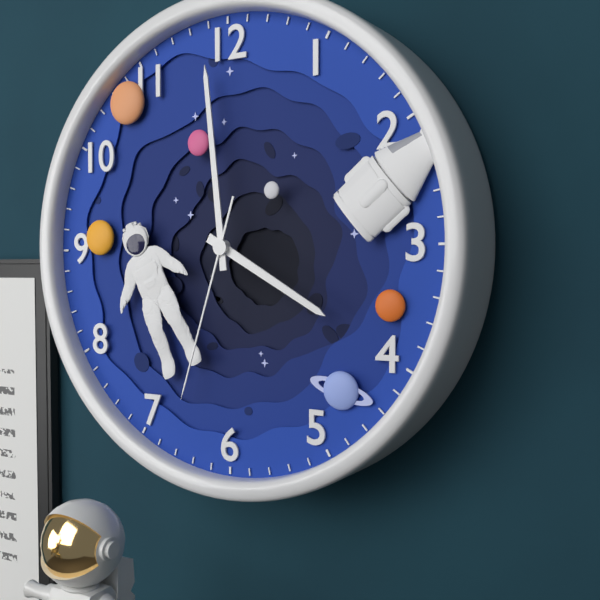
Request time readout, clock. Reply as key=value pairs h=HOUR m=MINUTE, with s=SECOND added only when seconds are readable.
h=3 m=59 s=33
